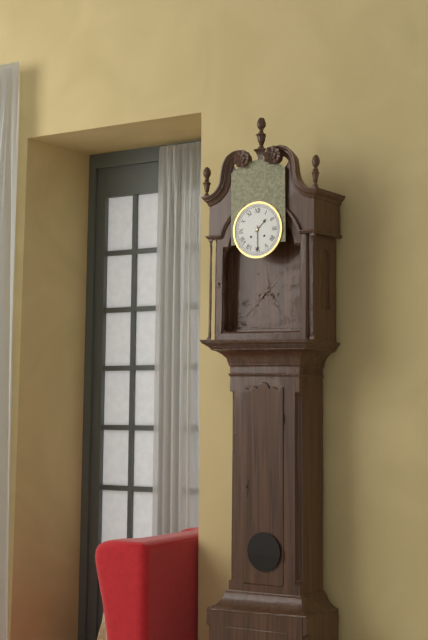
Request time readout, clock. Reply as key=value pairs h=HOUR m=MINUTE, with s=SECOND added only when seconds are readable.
h=1 m=30
